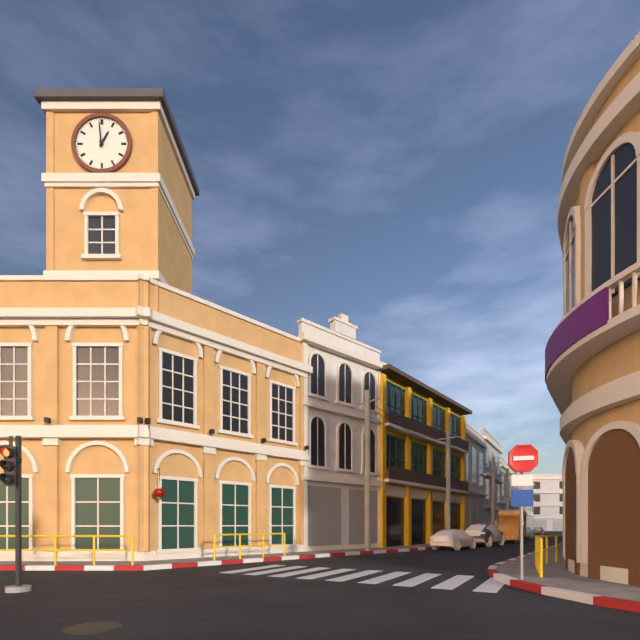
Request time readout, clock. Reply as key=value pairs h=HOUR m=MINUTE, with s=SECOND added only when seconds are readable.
h=12 m=59
